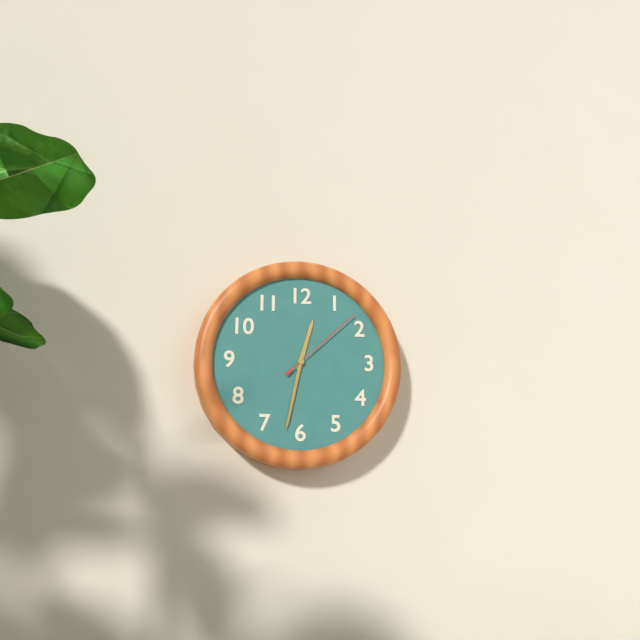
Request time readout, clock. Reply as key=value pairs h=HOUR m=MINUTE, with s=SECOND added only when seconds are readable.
h=12 m=32 s=8
